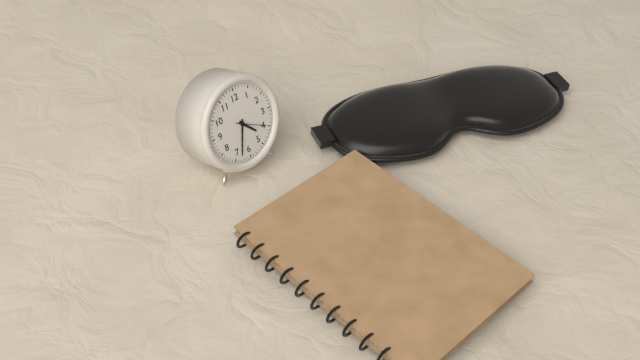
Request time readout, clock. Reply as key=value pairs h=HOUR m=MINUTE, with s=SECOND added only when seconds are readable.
h=4 m=33
